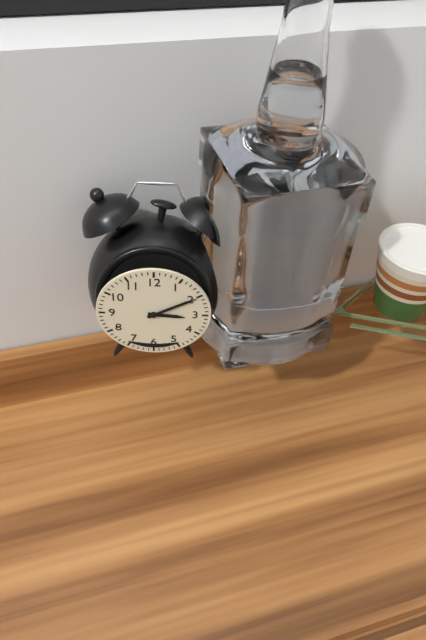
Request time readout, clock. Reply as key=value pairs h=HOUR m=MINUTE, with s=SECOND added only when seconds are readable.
h=3 m=10
